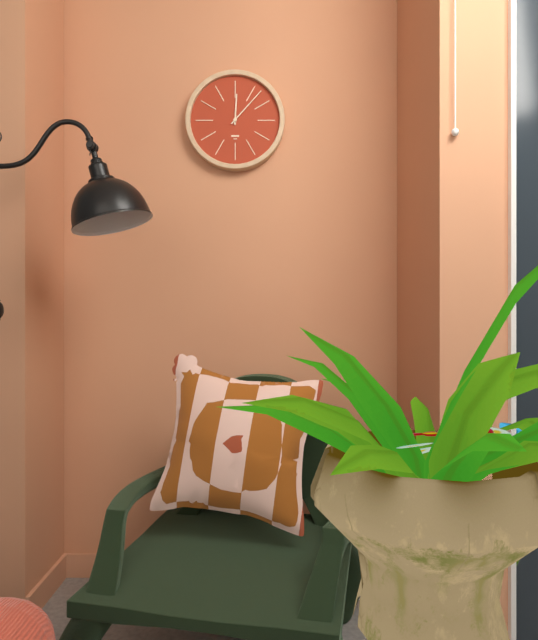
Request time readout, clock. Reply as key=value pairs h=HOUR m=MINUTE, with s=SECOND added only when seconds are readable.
h=12 m=7
